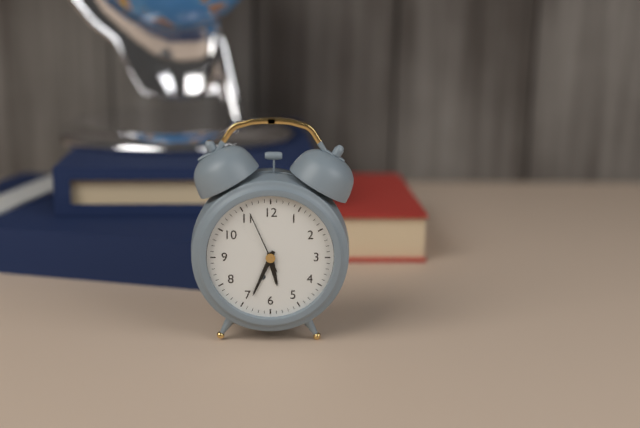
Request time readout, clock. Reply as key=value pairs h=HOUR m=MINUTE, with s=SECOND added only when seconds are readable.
h=5 m=34 s=56
